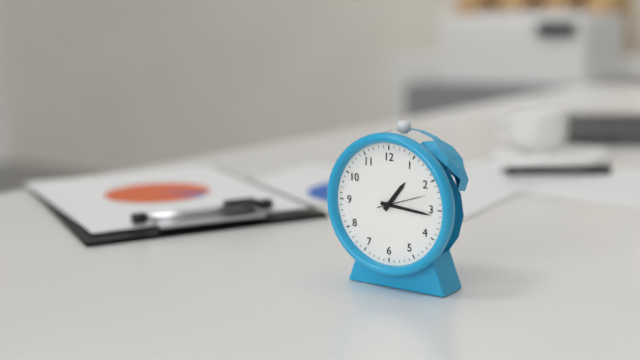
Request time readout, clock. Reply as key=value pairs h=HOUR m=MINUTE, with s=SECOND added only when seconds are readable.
h=1 m=16
